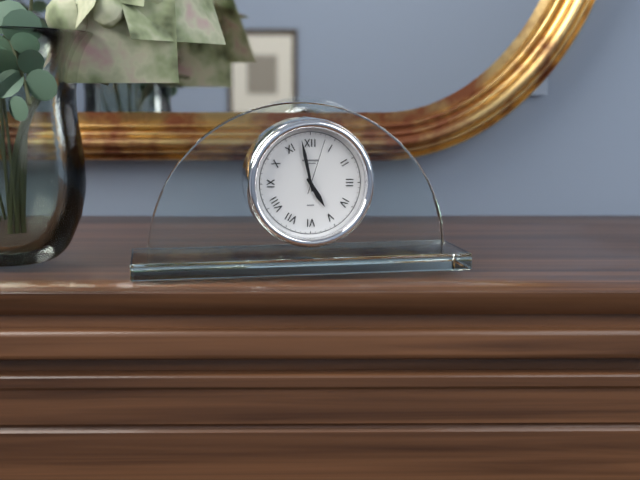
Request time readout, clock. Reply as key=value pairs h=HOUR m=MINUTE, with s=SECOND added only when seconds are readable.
h=4 m=58 s=3
